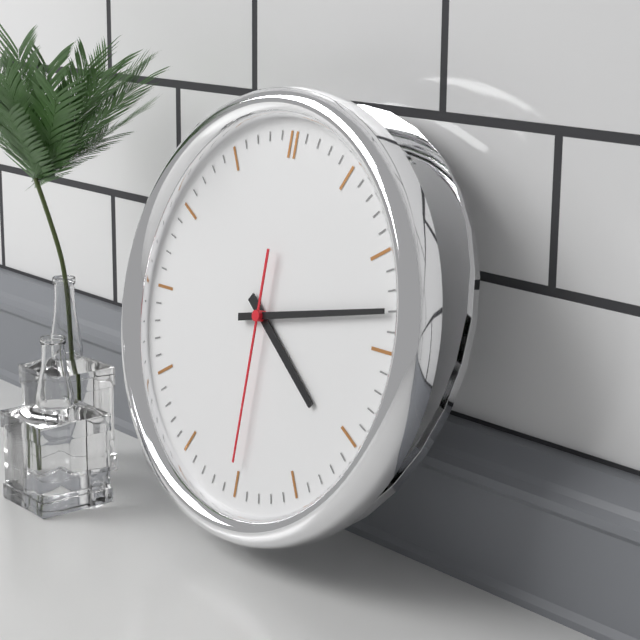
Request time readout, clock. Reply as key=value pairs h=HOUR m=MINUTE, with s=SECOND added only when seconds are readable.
h=4 m=13 s=30
